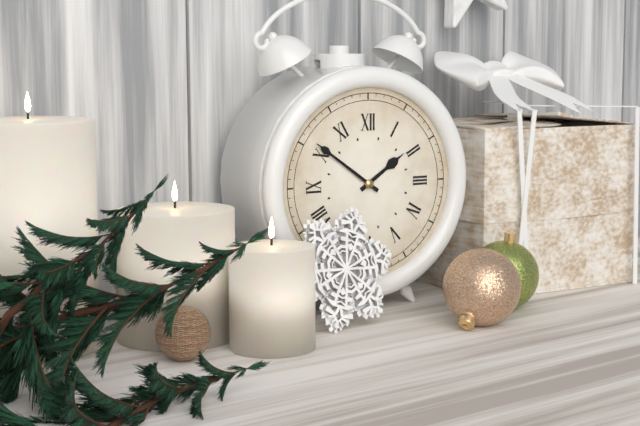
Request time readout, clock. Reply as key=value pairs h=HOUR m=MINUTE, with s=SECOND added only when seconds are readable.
h=1 m=51
